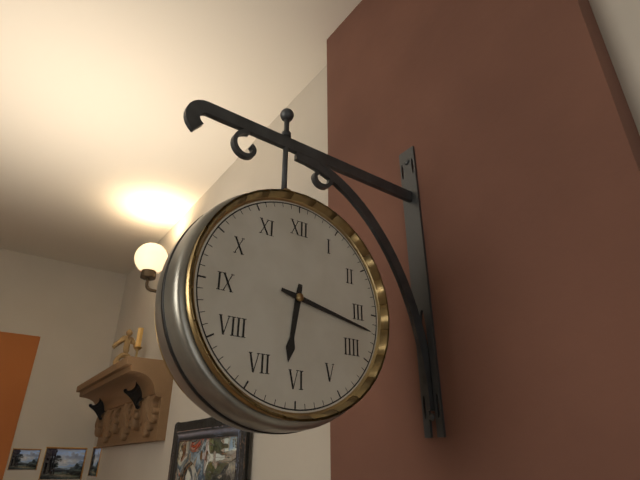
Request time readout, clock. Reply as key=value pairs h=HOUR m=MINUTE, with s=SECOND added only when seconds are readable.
h=6 m=17
